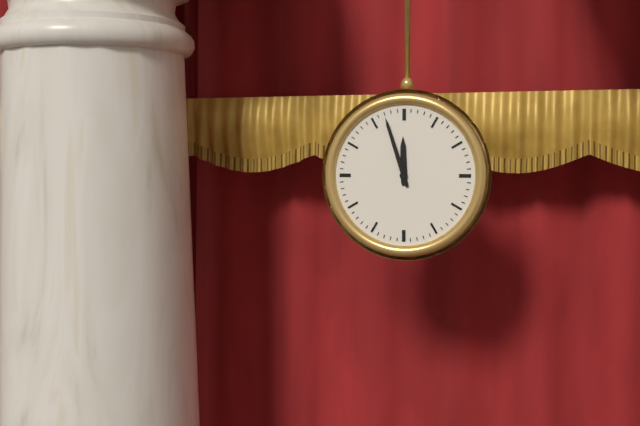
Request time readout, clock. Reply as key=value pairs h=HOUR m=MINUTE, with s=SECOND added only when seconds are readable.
h=11 m=57
